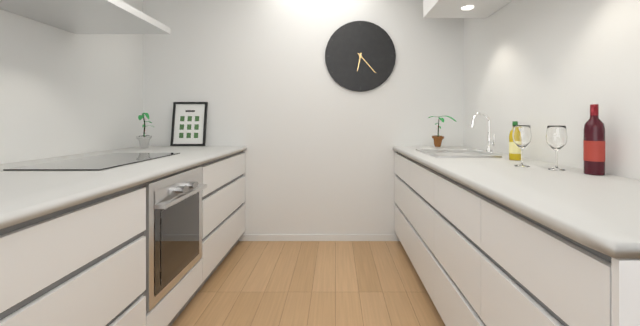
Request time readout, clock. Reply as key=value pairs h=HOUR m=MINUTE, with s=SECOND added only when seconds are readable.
h=6 m=23
